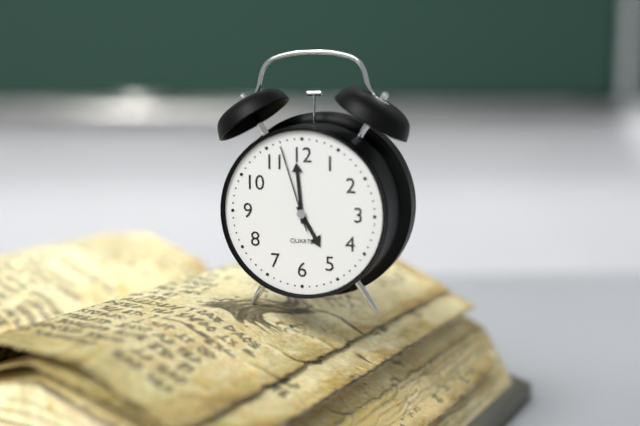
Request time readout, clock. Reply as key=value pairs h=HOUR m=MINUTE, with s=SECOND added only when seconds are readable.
h=4 m=59 s=57
